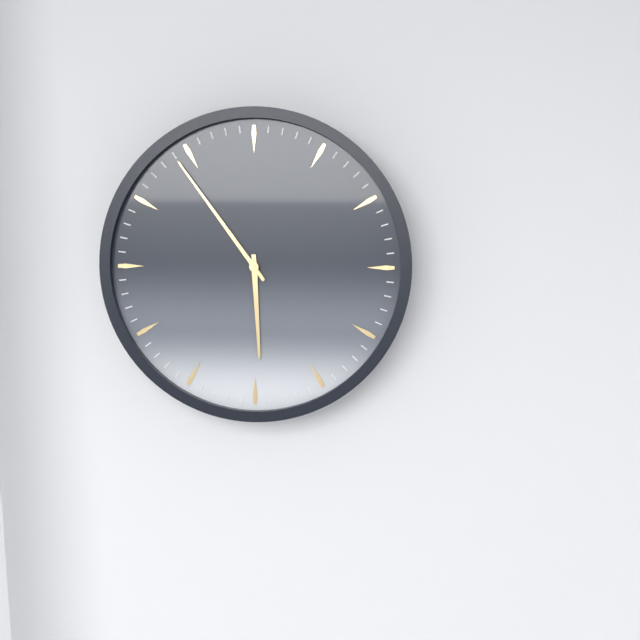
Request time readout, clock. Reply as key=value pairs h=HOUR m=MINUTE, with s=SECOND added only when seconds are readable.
h=5 m=54
